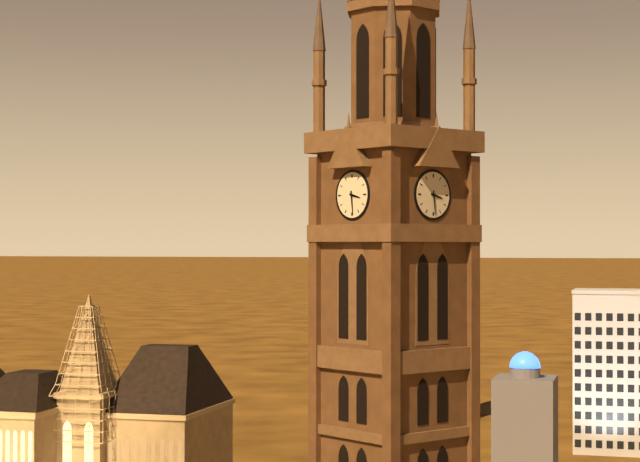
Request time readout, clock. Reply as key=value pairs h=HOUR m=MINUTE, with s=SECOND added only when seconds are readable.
h=3 m=29
